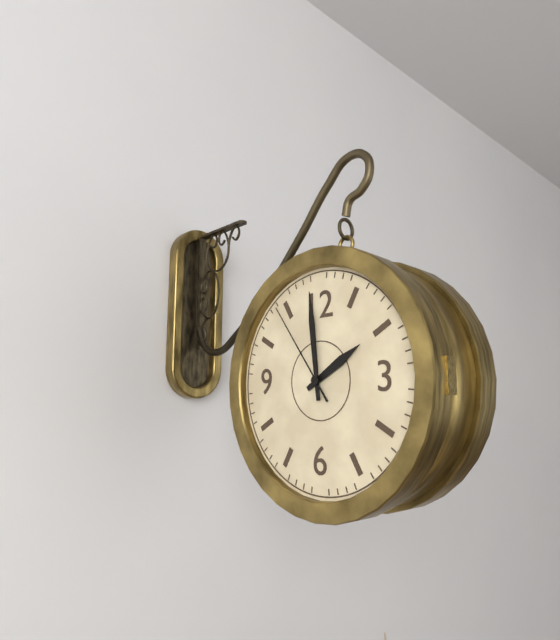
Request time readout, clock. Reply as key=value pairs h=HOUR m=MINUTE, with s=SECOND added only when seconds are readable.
h=1 m=59 s=54
